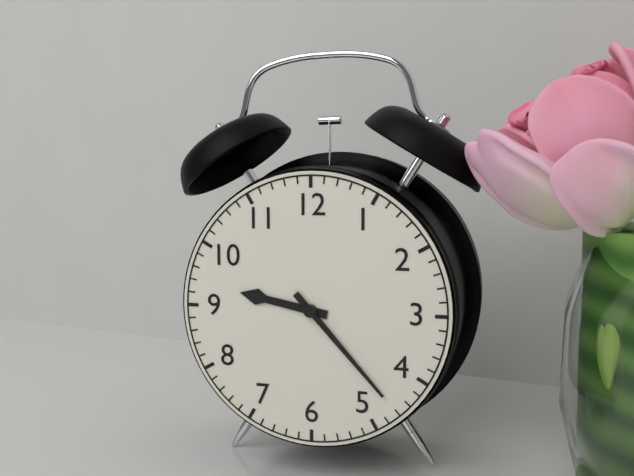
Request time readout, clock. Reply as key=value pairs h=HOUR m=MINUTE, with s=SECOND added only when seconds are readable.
h=9 m=23
